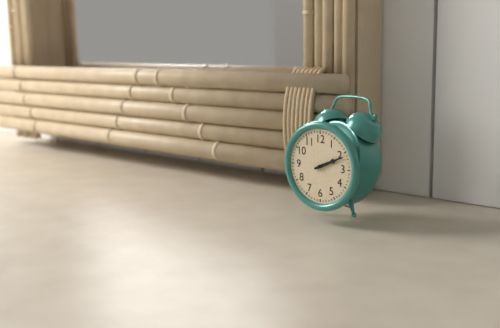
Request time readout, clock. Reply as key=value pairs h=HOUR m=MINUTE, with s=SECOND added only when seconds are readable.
h=2 m=11
